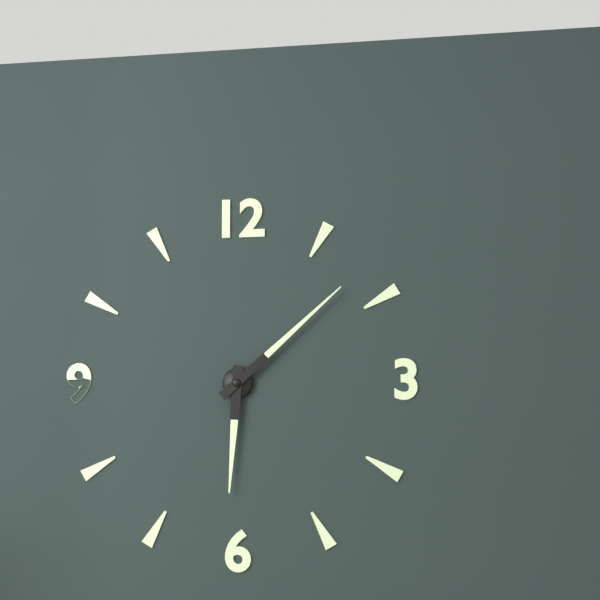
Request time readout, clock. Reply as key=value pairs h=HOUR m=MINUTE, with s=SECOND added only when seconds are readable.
h=6 m=8
